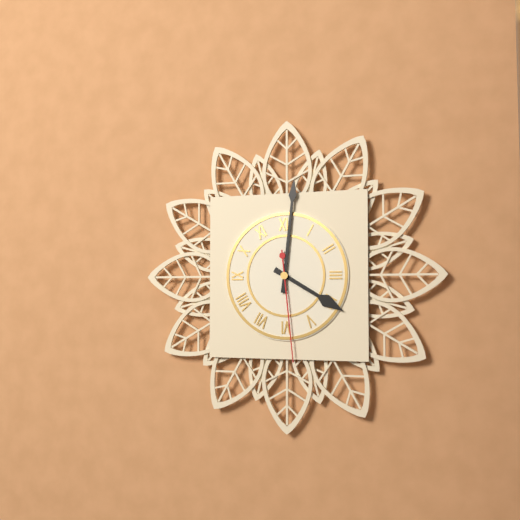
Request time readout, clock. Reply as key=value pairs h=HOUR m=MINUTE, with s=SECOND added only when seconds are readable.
h=4 m=1 s=29
